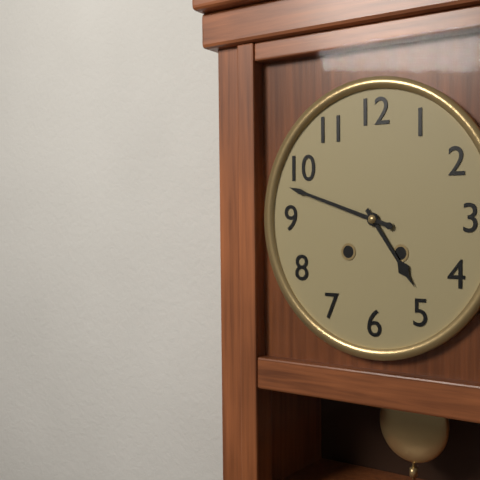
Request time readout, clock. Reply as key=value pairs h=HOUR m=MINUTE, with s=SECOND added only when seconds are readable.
h=4 m=48
